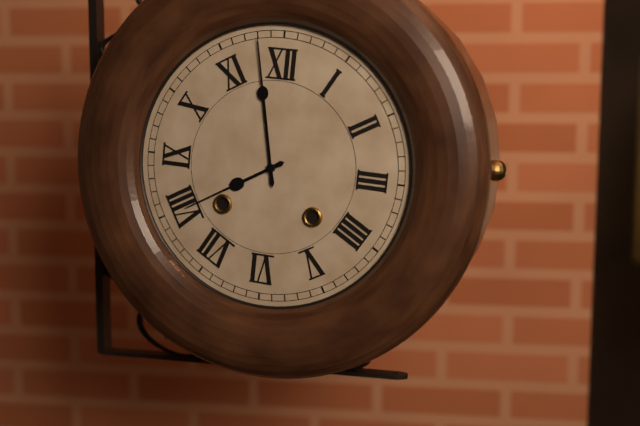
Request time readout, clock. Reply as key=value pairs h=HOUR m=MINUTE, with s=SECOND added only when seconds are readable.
h=7 m=58
